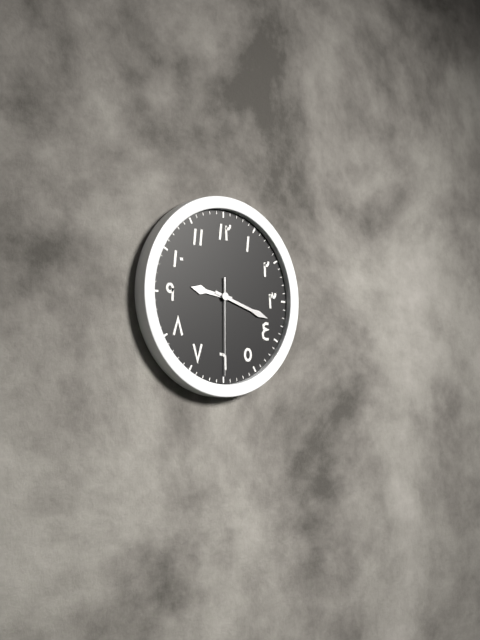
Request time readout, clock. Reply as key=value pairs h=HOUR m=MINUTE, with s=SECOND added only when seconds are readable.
h=9 m=18 s=30
